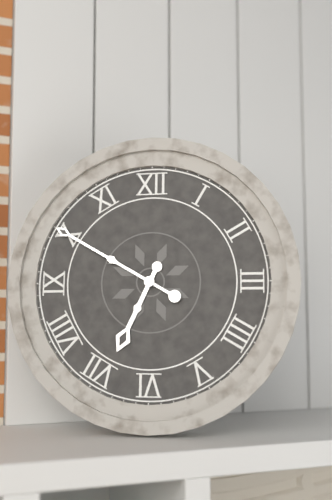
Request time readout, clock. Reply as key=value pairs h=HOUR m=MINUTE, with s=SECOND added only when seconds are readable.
h=6 m=50
